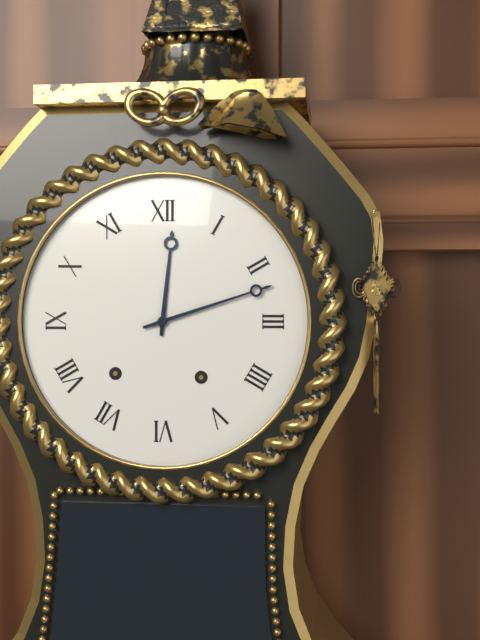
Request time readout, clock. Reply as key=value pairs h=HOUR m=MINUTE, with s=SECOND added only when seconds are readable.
h=12 m=12
